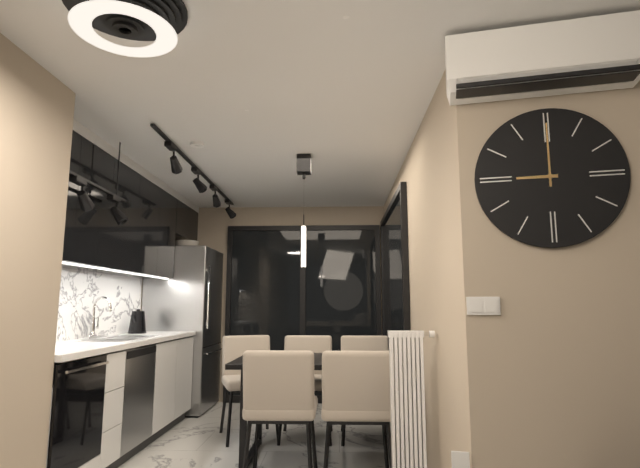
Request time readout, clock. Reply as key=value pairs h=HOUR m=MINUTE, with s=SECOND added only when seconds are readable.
h=9 m=0
